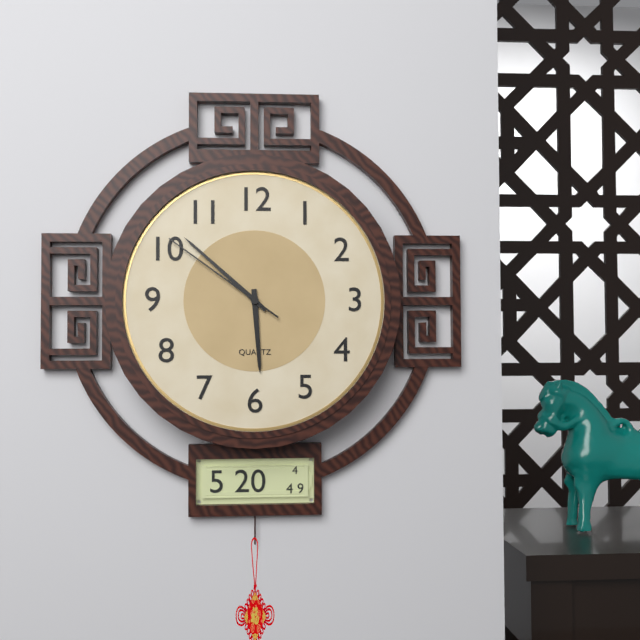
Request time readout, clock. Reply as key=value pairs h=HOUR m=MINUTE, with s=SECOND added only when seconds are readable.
h=5 m=52 s=51
